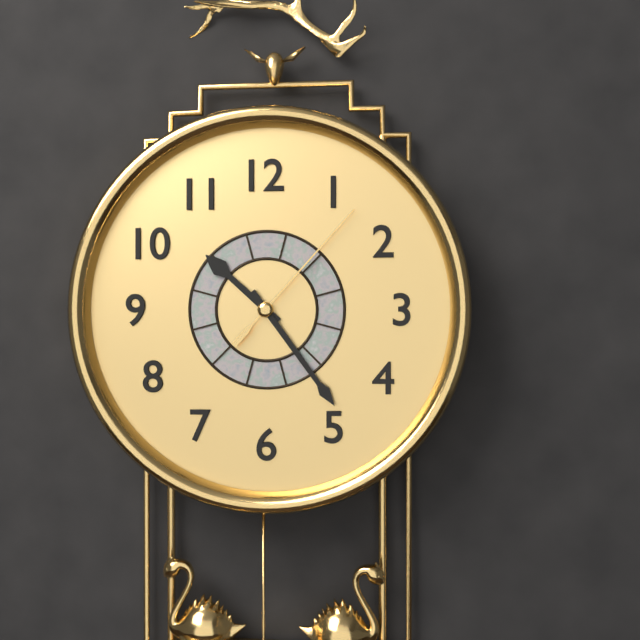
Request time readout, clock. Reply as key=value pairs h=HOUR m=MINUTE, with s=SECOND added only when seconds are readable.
h=10 m=24 s=7
